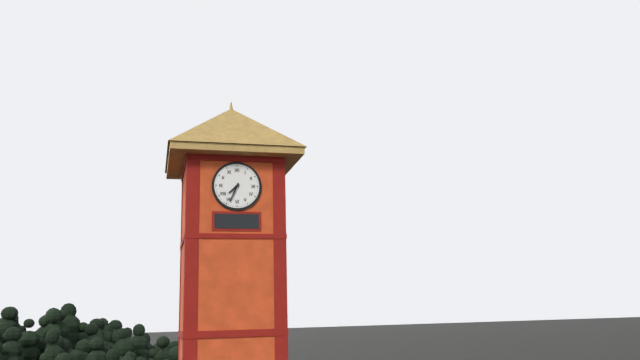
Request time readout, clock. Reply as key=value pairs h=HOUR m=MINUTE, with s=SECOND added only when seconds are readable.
h=7 m=34
